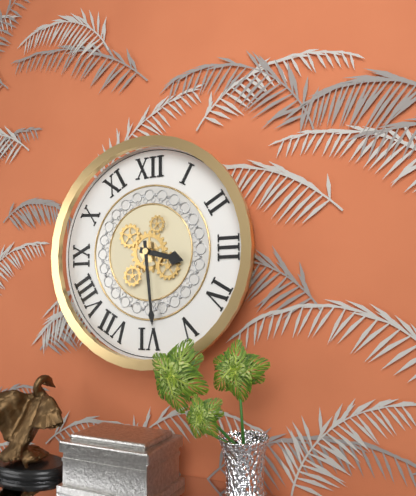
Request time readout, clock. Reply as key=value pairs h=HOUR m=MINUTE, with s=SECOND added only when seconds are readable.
h=3 m=29
